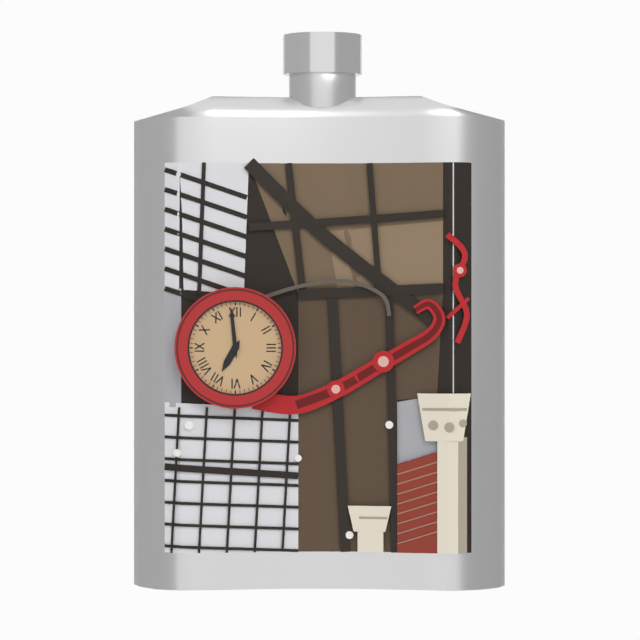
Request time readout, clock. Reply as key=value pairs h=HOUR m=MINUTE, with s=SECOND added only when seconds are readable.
h=6 m=59
